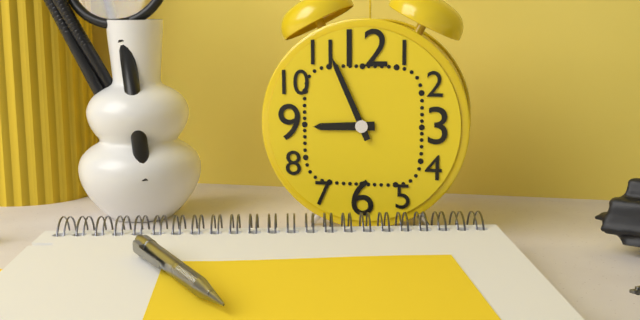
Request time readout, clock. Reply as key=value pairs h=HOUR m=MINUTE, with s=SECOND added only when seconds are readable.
h=8 m=56
